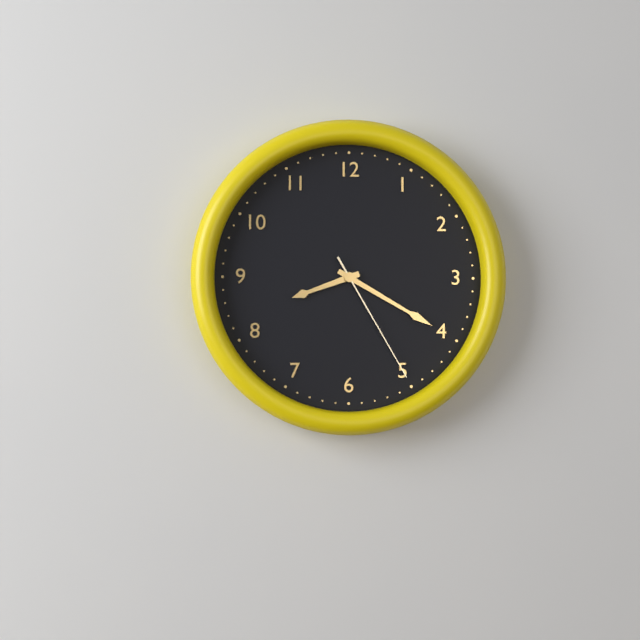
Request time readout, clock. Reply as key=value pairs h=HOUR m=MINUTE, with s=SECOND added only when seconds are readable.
h=8 m=20 s=25
